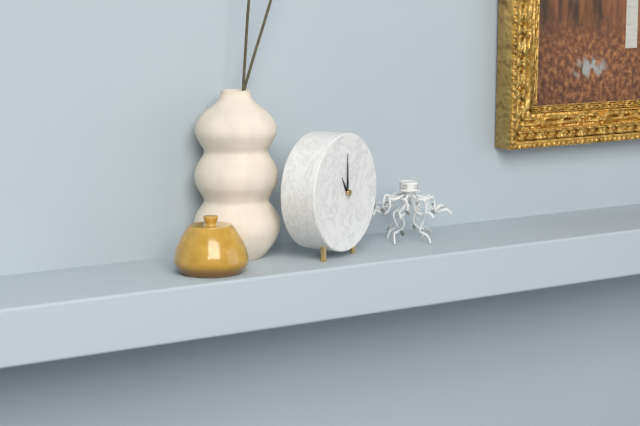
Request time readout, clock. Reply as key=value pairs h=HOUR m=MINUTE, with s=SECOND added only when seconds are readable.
h=11 m=0
